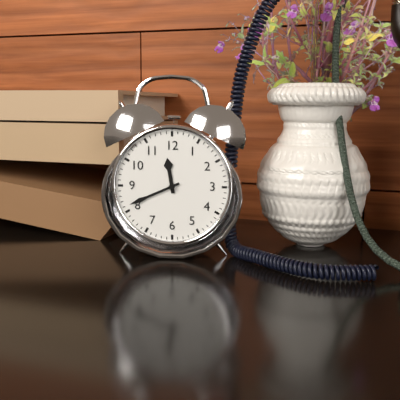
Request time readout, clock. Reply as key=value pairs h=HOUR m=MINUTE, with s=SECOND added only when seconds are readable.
h=11 m=41
